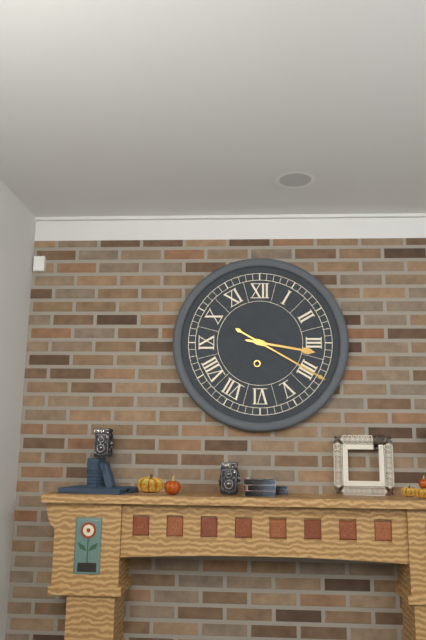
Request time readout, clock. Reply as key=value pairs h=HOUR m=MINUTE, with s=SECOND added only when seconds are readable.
h=3 m=20
